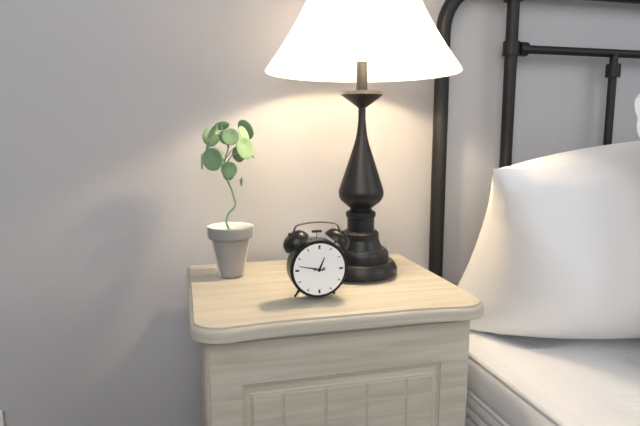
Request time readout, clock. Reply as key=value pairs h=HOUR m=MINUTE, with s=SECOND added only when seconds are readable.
h=12 m=47
